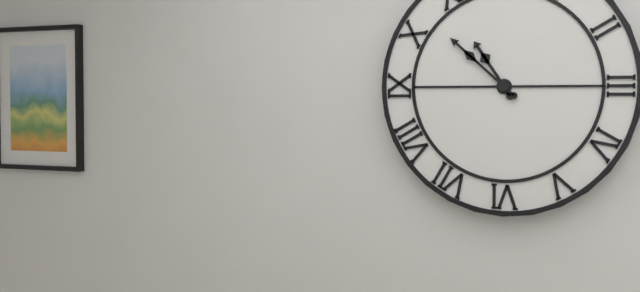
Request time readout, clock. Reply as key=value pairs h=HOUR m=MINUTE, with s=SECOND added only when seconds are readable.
h=10 m=52
